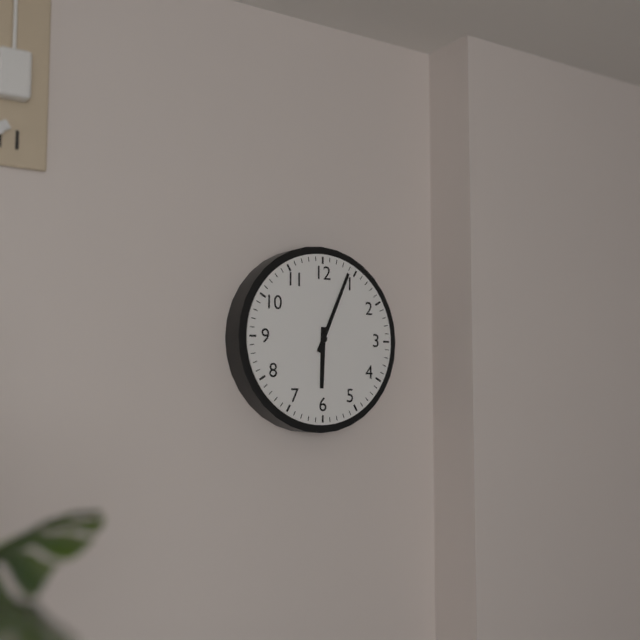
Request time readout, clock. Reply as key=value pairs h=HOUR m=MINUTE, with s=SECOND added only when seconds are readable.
h=6 m=4
